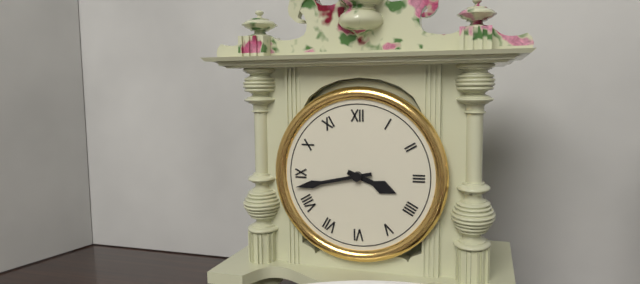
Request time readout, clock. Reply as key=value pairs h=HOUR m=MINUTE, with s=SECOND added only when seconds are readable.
h=3 m=43
